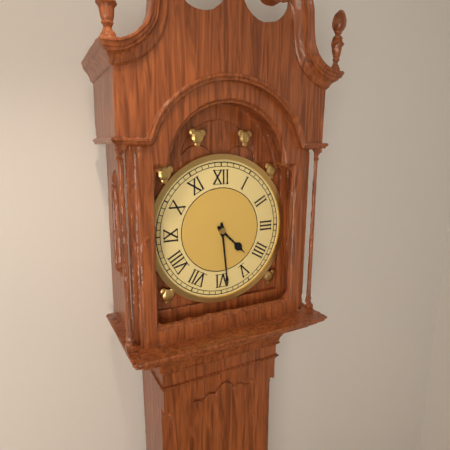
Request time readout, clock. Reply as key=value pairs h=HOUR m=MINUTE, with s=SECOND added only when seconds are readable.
h=4 m=29
